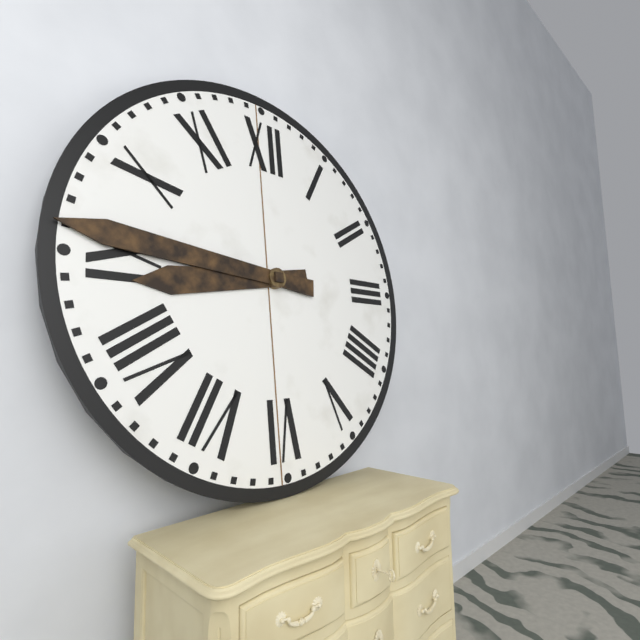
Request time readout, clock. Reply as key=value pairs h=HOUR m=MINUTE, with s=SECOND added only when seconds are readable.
h=8 m=46
